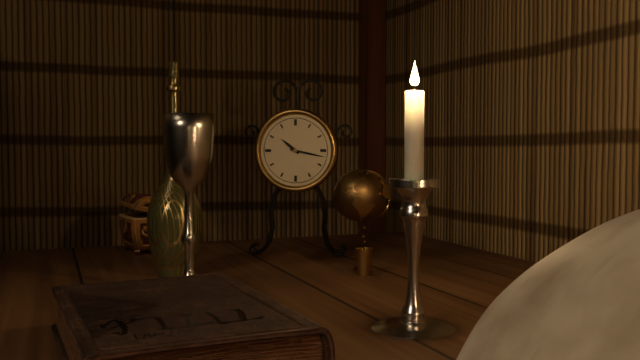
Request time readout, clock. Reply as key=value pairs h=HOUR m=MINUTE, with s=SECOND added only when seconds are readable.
h=10 m=17
